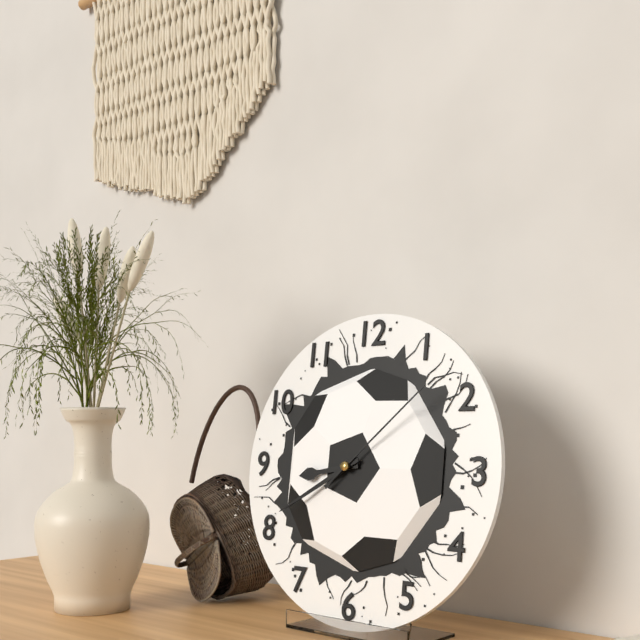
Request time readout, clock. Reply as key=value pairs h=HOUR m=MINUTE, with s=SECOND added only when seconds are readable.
h=8 m=40 s=8
